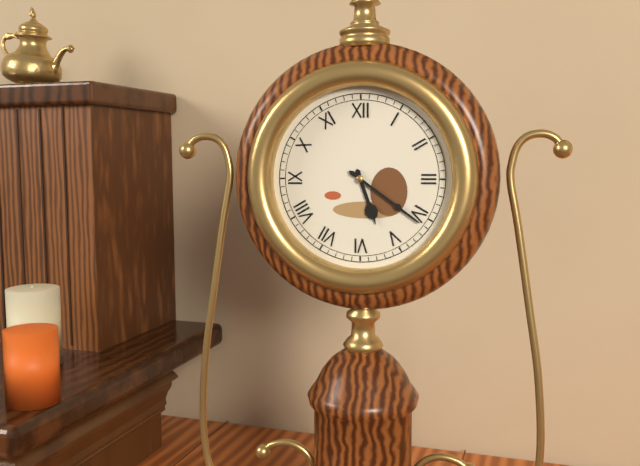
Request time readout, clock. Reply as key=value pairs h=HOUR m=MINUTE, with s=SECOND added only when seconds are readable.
h=5 m=21
